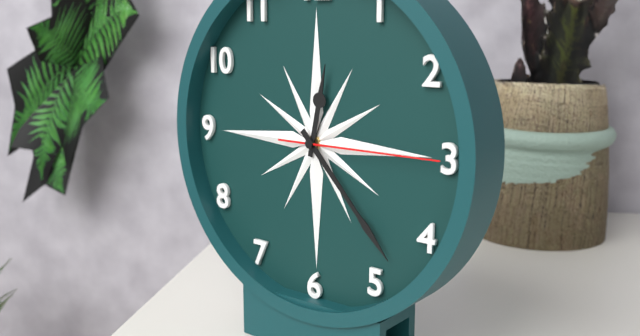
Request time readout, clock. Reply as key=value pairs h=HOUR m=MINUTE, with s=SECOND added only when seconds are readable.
h=12 m=23 s=15
